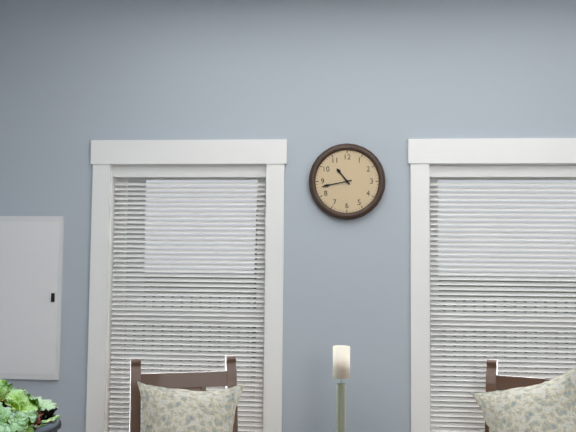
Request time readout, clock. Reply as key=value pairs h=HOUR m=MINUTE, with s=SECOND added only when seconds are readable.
h=10 m=43
